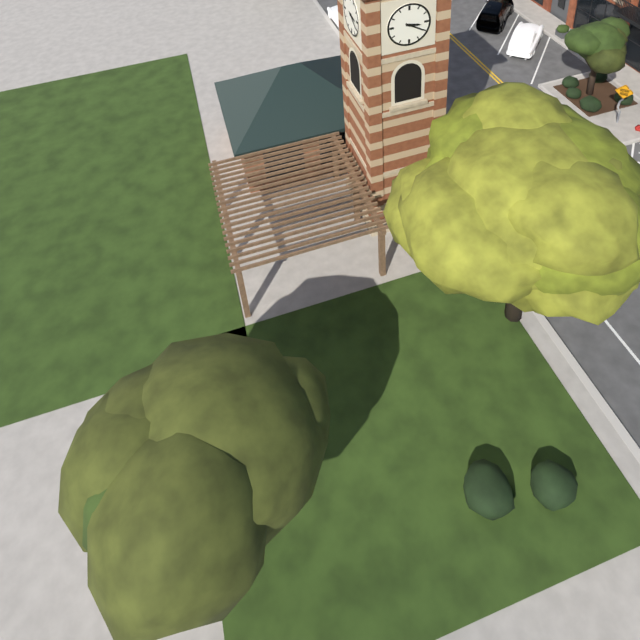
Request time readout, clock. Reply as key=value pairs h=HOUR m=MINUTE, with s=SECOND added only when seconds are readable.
h=3 m=20
